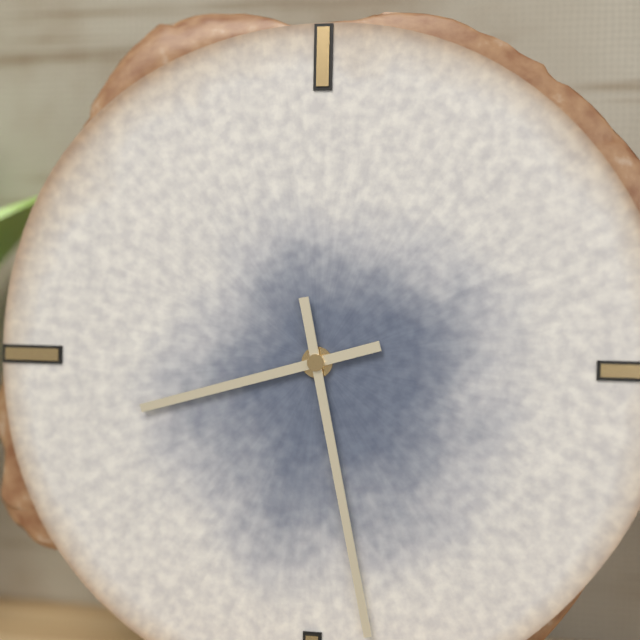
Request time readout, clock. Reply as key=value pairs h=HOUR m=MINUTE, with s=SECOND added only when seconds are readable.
h=8 m=28
